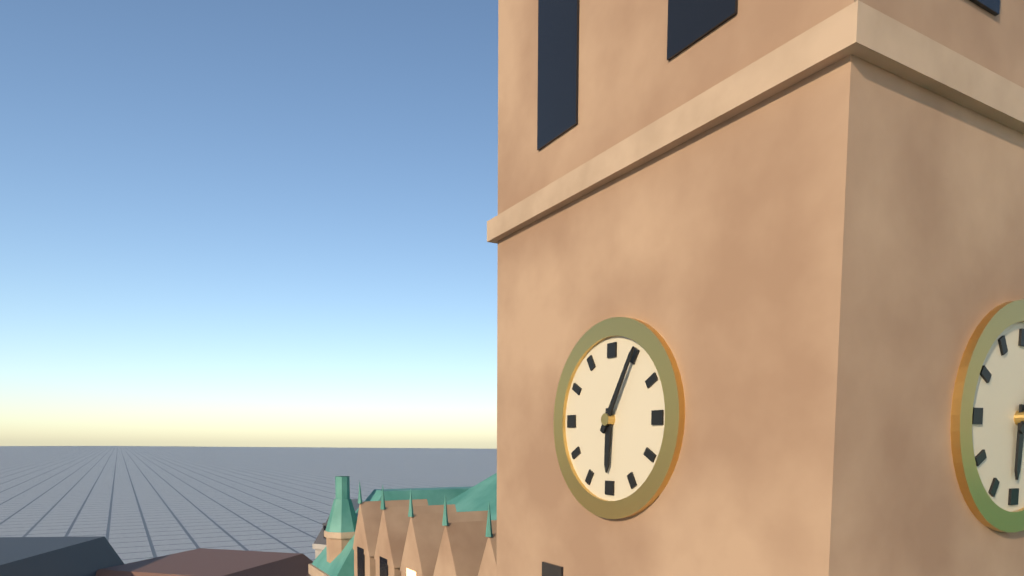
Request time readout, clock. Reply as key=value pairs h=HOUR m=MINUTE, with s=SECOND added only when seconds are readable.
h=6 m=5
